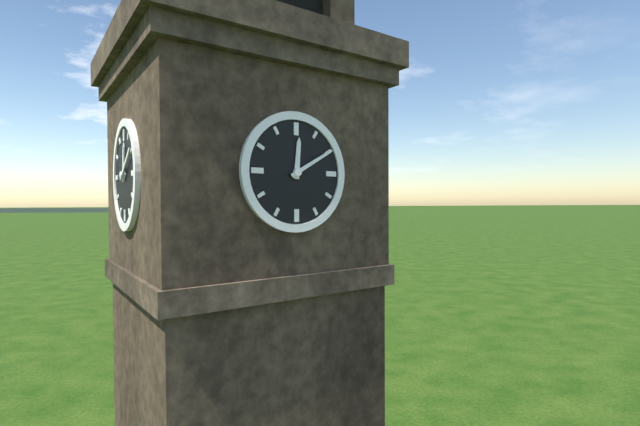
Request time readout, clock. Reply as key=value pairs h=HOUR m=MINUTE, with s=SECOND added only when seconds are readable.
h=12 m=10
